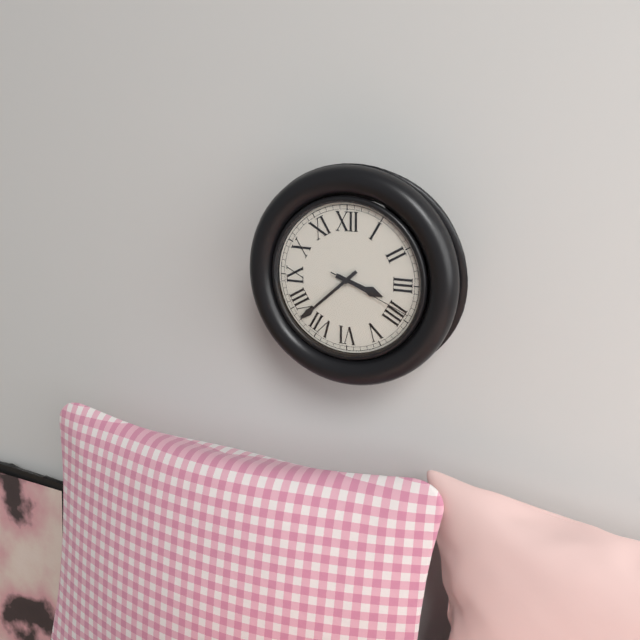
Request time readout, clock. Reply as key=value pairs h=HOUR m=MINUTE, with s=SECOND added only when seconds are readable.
h=3 m=38 s=19
